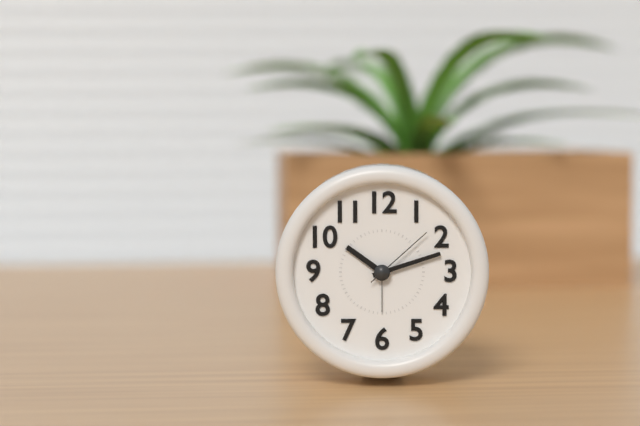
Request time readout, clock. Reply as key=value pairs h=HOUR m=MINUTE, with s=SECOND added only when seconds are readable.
h=10 m=12 s=8
